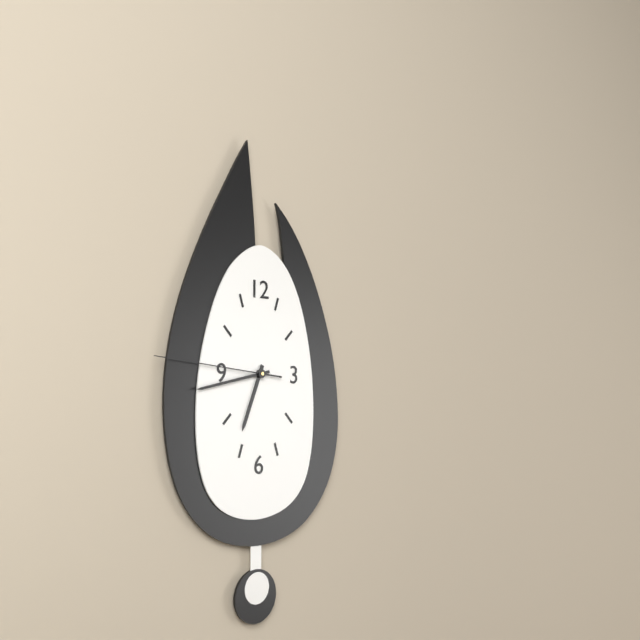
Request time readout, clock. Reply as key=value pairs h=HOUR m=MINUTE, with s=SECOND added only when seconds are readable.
h=6 m=43 s=46
